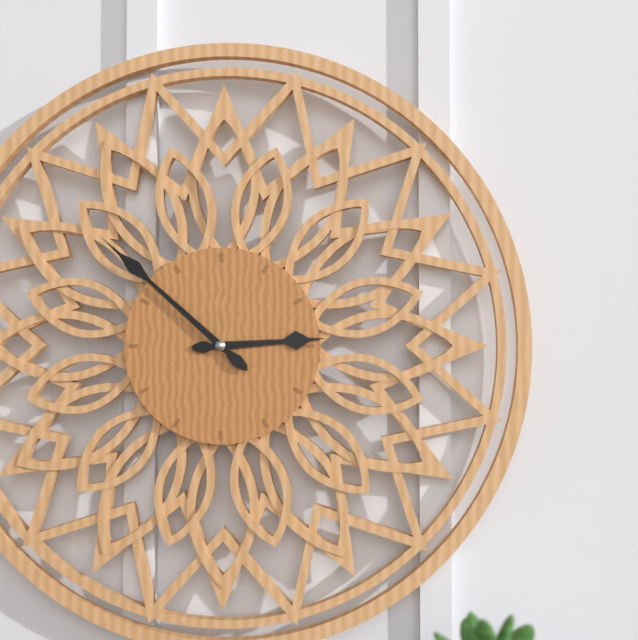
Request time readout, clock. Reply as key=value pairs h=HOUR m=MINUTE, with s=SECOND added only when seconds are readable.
h=2 m=52
